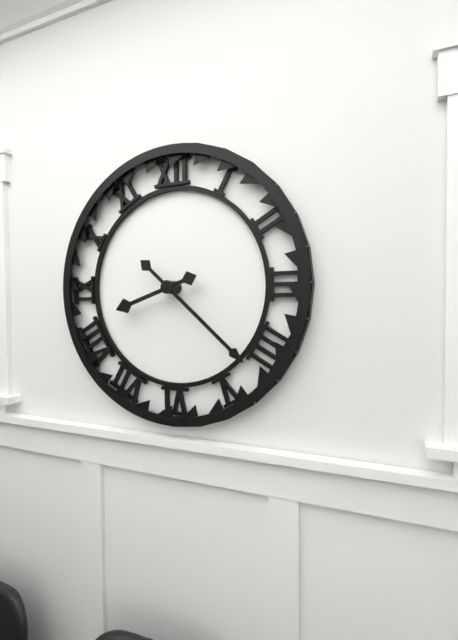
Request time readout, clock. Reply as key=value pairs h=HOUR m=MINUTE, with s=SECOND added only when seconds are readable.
h=8 m=22
